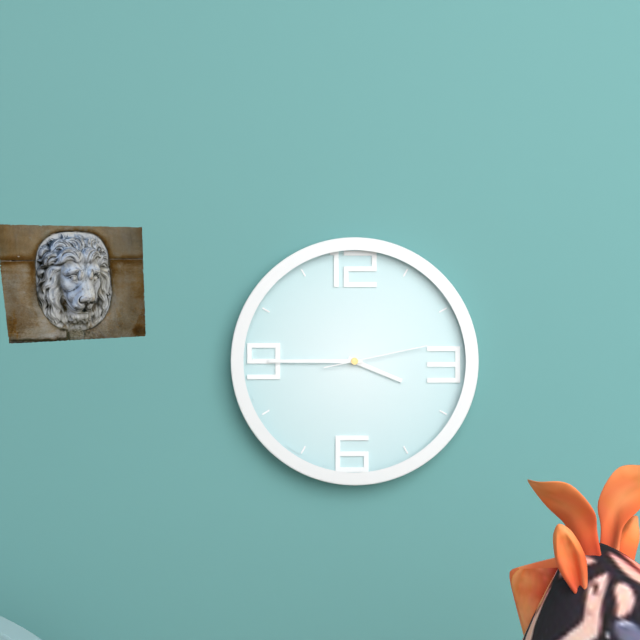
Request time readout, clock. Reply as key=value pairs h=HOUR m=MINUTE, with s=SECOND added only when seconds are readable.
h=3 m=45 s=13
